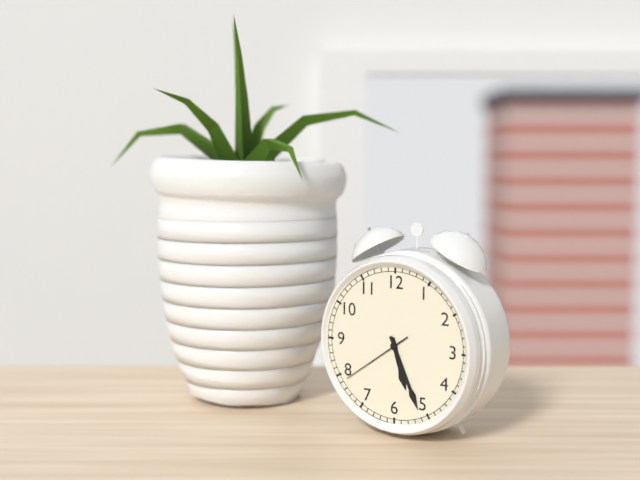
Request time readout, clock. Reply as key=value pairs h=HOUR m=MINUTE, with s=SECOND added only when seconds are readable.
h=5 m=26 s=39
